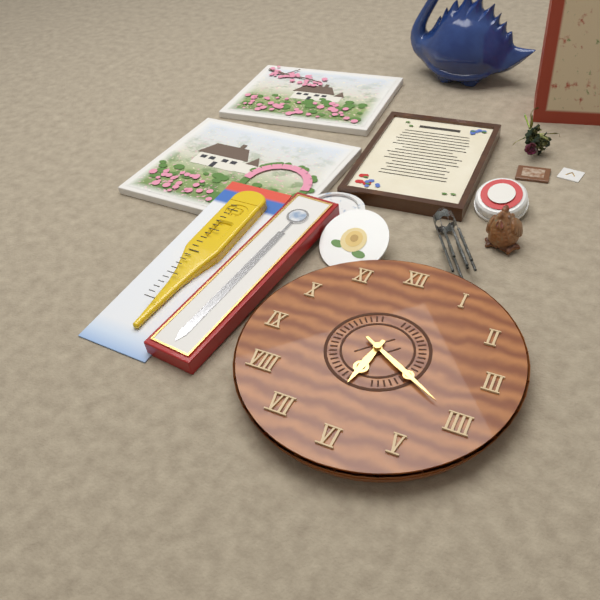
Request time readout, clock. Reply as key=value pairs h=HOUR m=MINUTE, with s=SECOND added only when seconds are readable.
h=6 m=20
